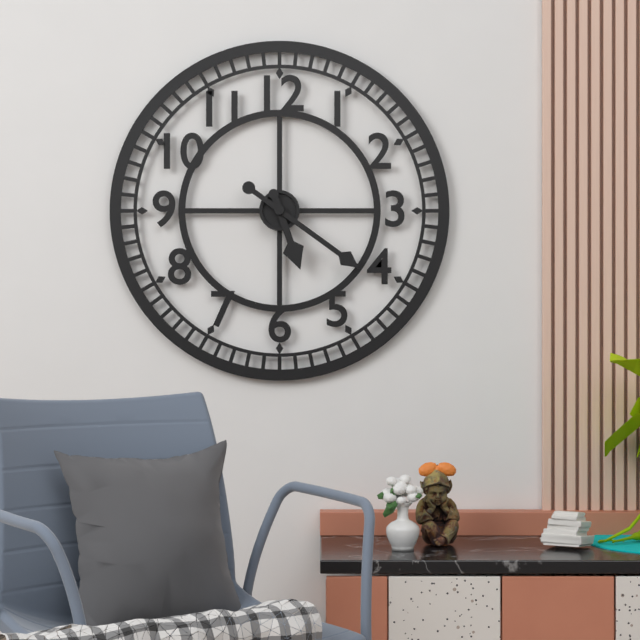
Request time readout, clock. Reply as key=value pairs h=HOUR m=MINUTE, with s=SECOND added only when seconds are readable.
h=5 m=21
